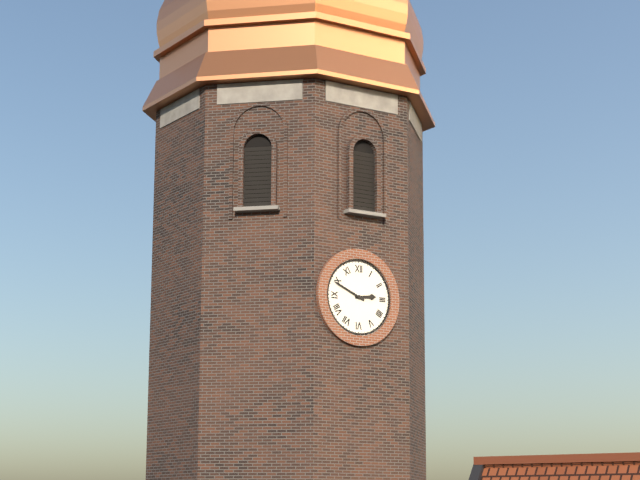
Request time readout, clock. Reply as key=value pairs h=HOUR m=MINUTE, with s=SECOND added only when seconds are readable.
h=2 m=49
